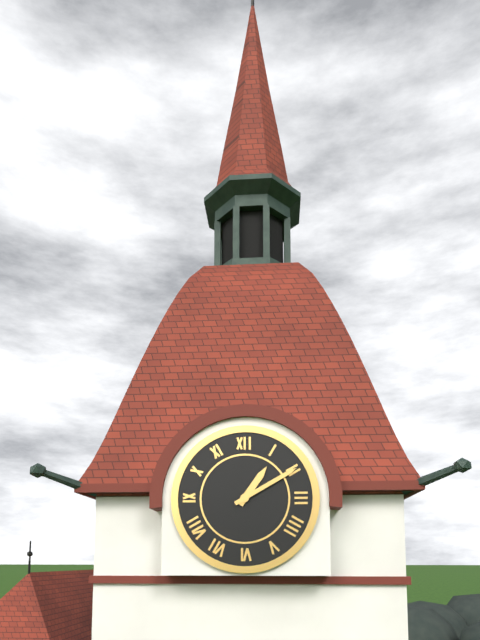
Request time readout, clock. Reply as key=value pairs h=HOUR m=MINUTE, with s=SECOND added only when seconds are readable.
h=1 m=10
